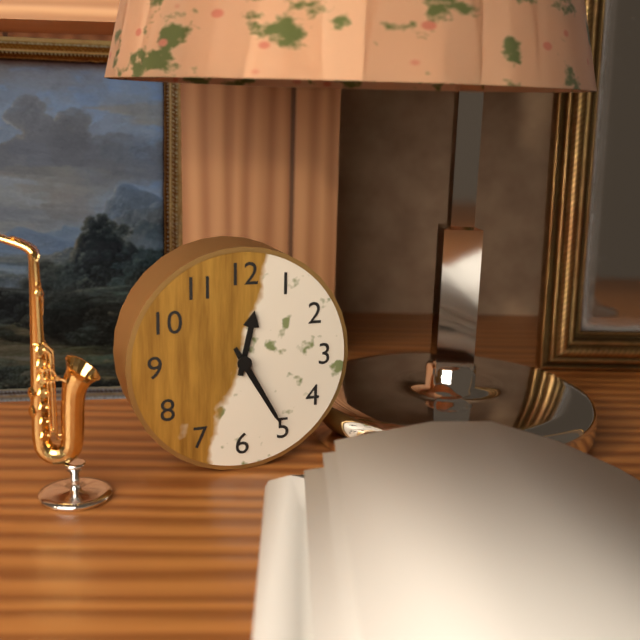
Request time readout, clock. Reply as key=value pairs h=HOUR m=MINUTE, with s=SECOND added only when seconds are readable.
h=12 m=25
